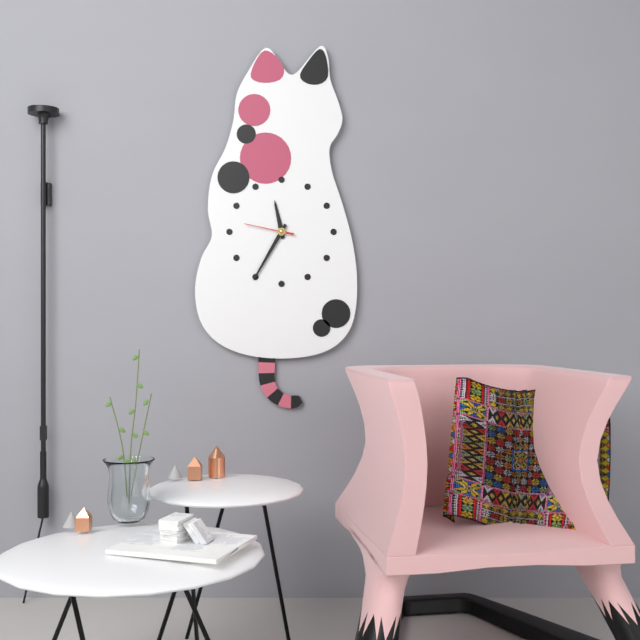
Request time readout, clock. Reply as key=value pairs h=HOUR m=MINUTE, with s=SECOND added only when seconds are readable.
h=11 m=35
